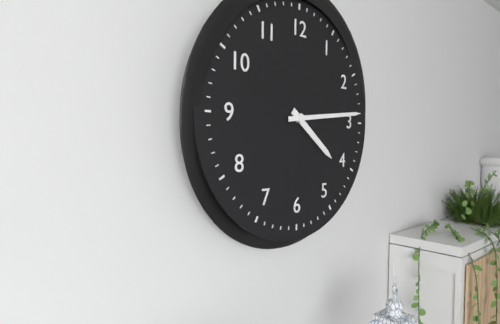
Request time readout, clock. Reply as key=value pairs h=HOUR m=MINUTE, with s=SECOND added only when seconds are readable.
h=4 m=14
